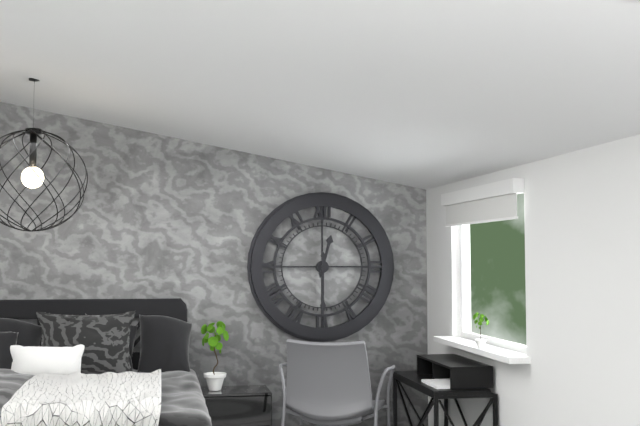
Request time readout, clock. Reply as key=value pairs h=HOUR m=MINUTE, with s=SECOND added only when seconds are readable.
h=12 m=30
